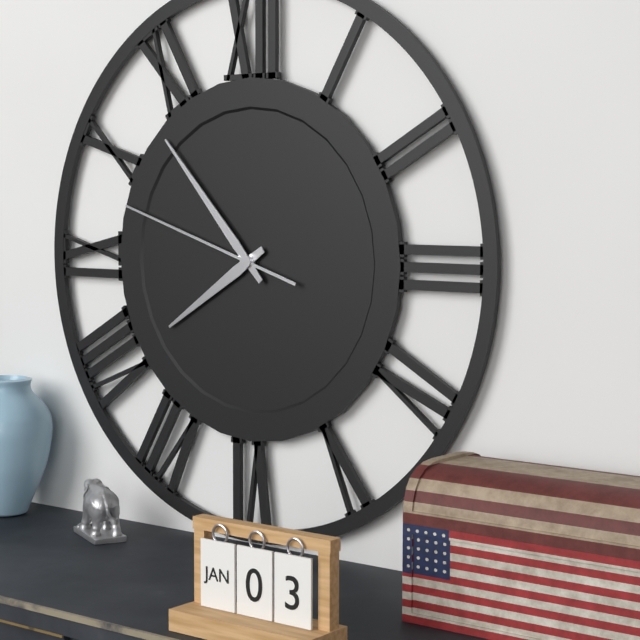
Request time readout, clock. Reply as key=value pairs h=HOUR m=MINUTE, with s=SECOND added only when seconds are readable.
h=7 m=53 s=48
